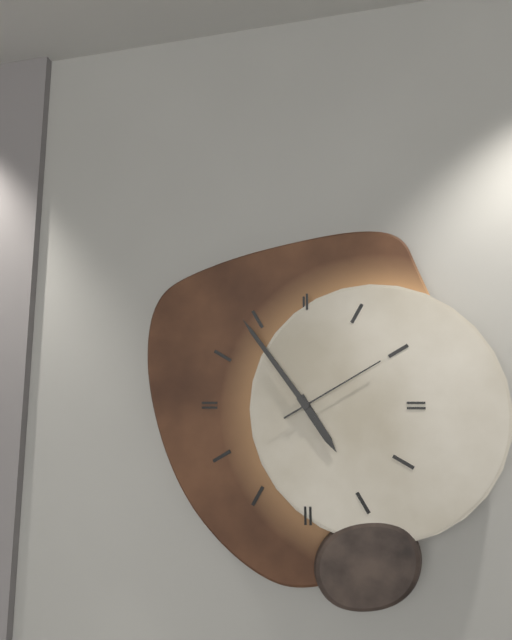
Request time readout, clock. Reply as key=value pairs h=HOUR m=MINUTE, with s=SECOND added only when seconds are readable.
h=4 m=54 s=10
